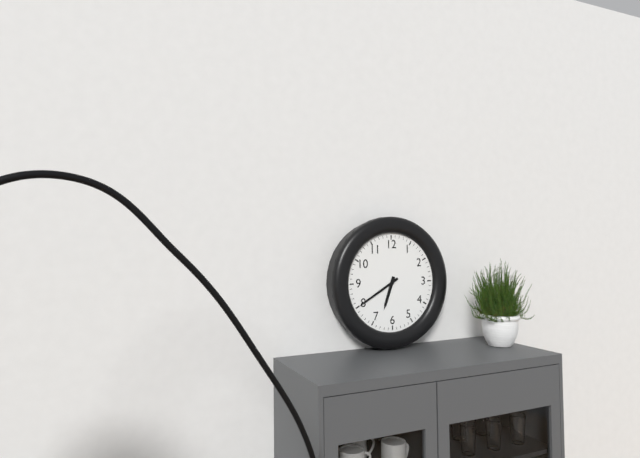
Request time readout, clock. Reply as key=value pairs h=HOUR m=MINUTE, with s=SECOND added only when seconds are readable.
h=6 m=40
